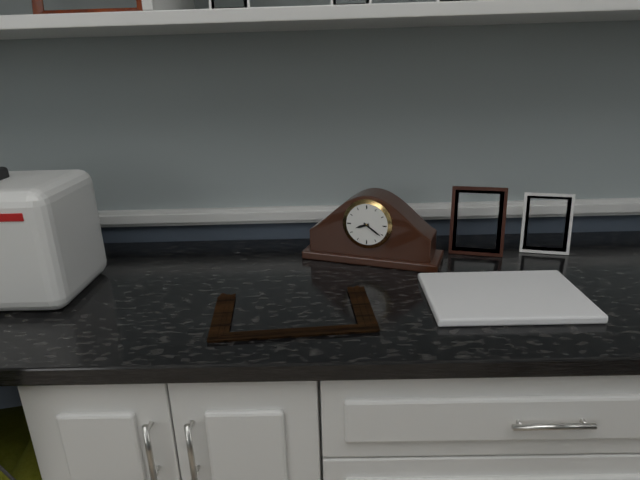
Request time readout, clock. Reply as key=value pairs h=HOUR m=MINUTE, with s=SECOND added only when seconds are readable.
h=8 m=21
